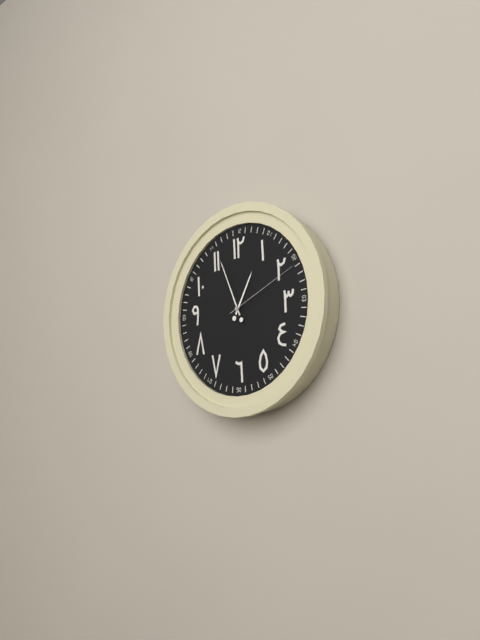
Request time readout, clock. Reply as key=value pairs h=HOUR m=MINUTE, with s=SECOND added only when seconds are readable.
h=12 m=56 s=11
